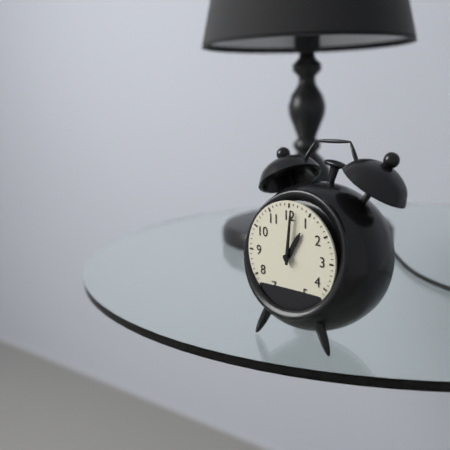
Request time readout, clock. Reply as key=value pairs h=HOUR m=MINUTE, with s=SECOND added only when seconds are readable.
h=1 m=1
